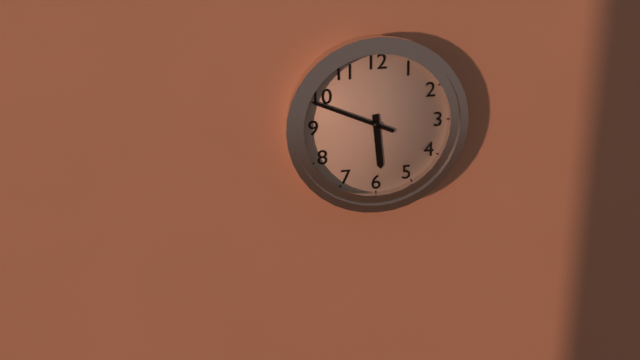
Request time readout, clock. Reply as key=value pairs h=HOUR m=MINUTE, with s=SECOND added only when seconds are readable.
h=5 m=49
